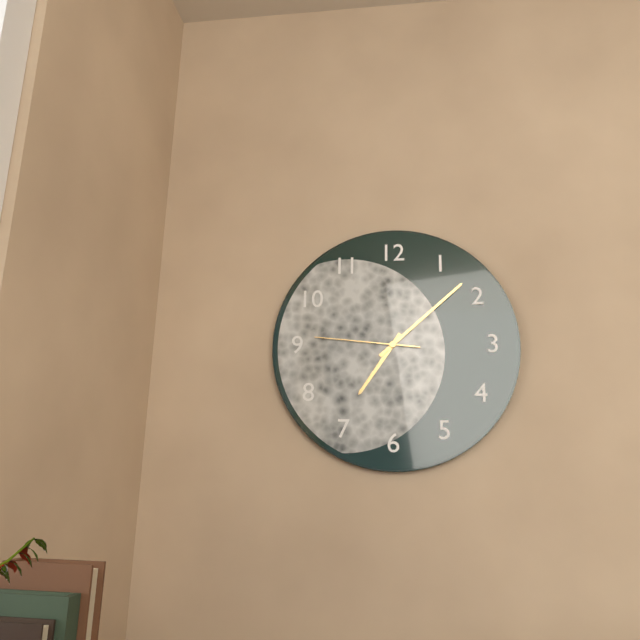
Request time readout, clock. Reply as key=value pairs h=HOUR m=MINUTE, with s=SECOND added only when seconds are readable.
h=7 m=8 s=46
